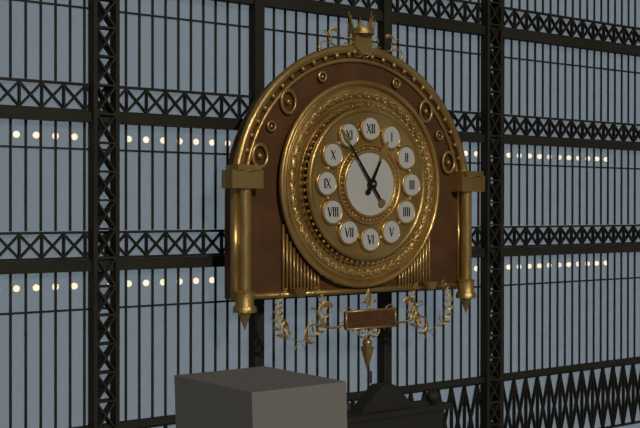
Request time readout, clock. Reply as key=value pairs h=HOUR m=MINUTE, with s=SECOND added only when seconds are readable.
h=12 m=54
